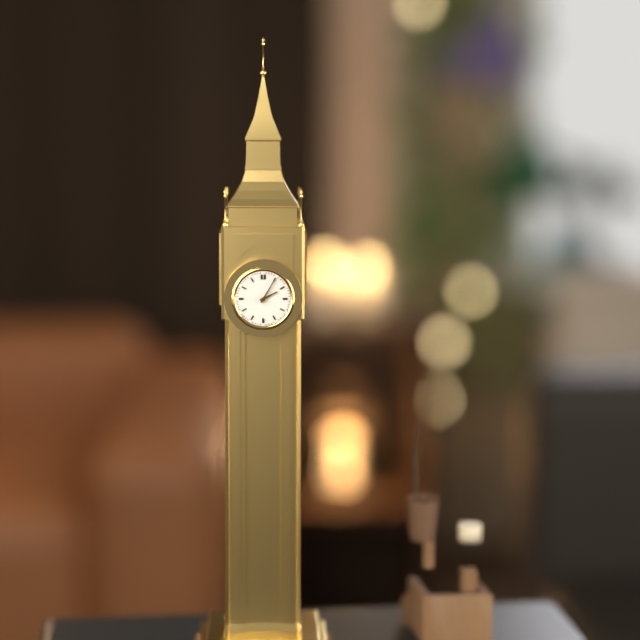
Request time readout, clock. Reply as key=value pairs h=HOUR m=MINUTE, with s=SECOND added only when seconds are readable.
h=2 m=5
